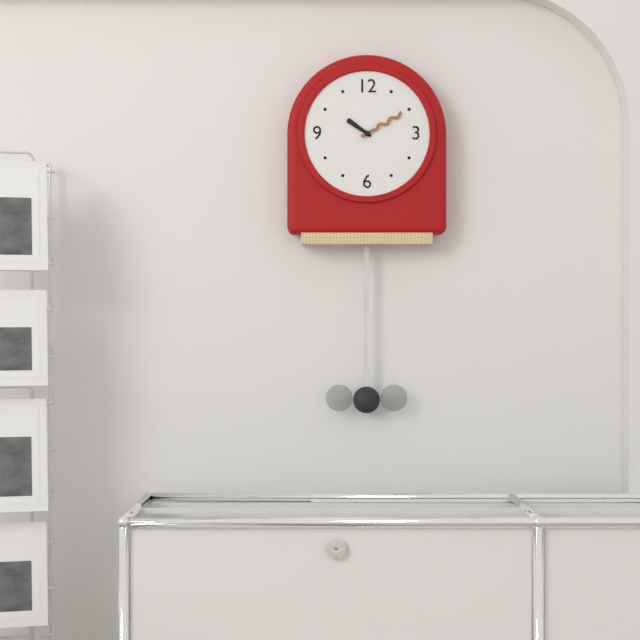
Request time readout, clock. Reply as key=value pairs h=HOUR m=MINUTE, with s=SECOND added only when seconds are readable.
h=10 m=10
